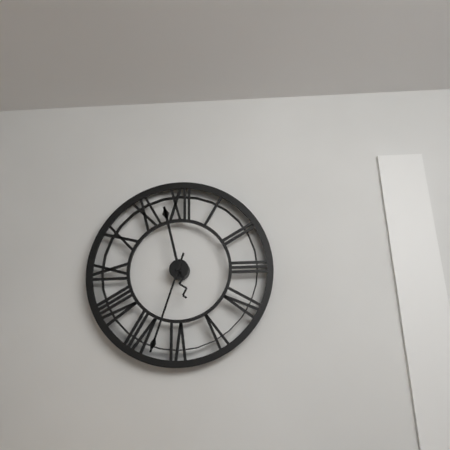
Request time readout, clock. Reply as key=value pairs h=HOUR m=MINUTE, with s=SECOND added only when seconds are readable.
h=11 m=33
